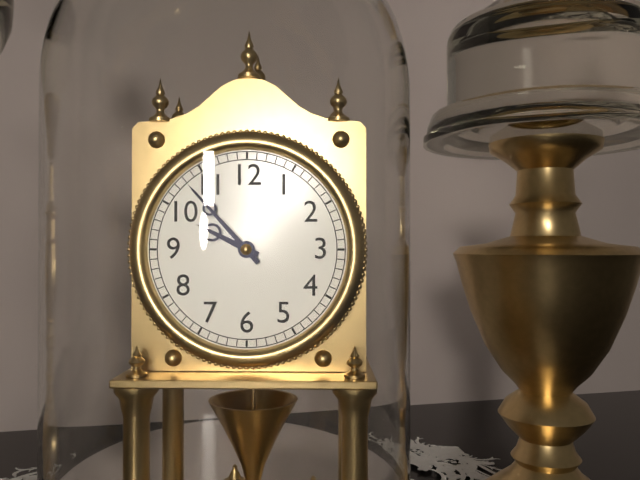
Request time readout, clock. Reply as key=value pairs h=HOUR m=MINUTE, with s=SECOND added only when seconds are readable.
h=9 m=53
